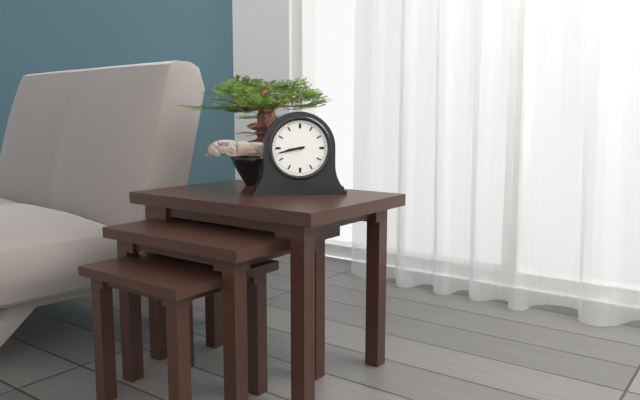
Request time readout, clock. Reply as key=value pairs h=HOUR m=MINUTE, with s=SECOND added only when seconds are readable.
h=8 m=43
